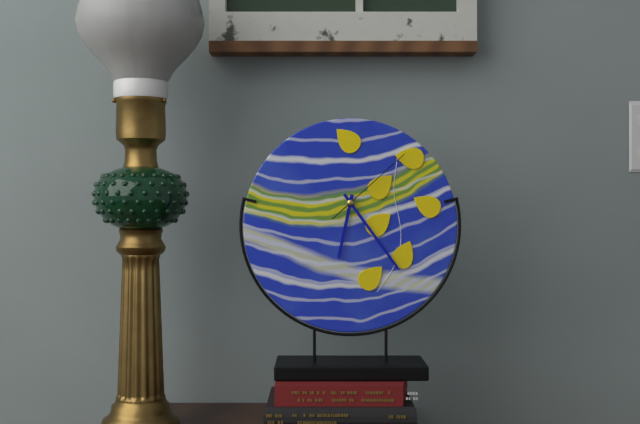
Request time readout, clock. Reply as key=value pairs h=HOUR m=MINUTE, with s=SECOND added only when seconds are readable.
h=6 m=24 s=8
